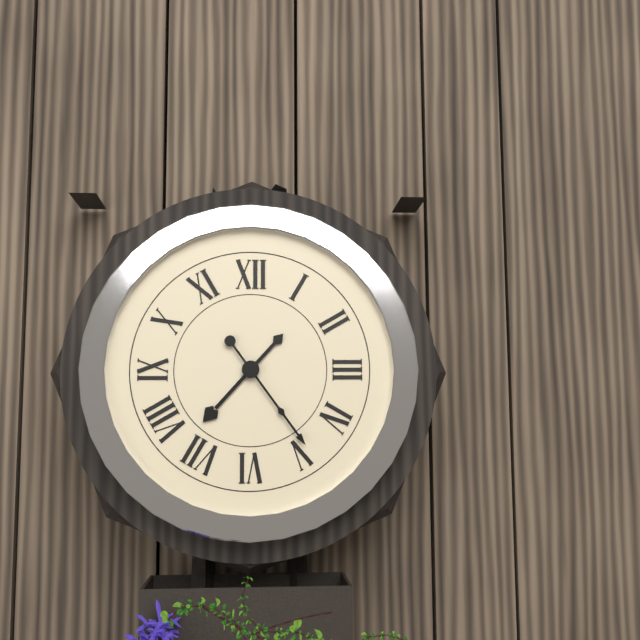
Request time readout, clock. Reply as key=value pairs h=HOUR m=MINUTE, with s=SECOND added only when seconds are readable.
h=7 m=24
